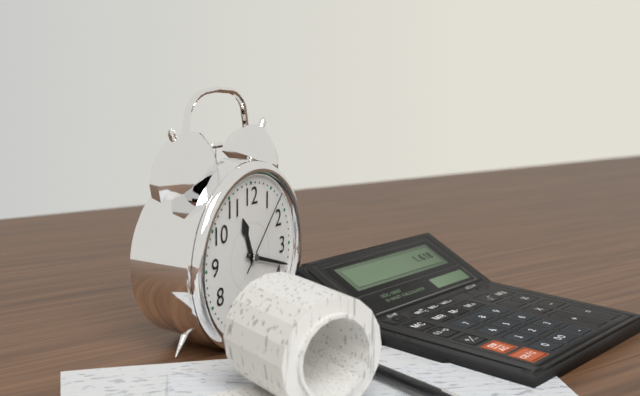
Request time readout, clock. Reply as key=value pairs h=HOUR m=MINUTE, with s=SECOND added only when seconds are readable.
h=11 m=18 s=7
